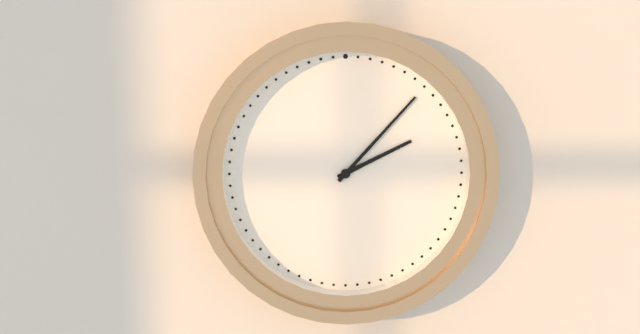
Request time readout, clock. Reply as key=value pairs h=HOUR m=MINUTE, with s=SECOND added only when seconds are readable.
h=2 m=7
